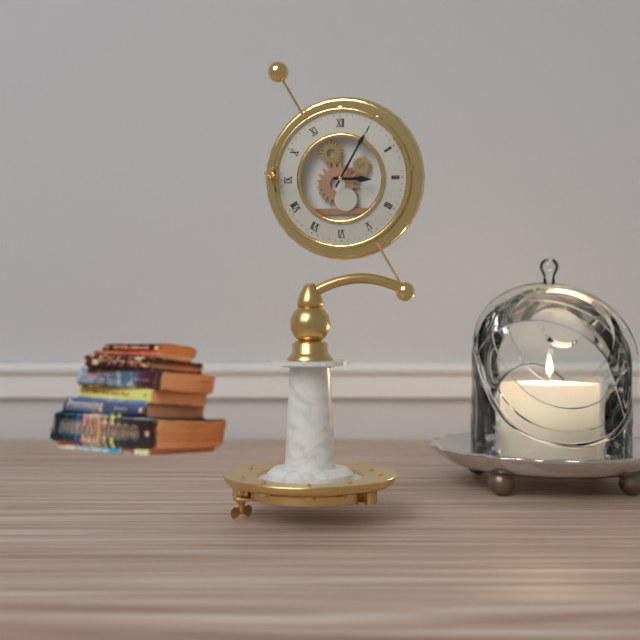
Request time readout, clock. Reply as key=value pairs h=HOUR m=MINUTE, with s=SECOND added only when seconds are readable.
h=3 m=5
